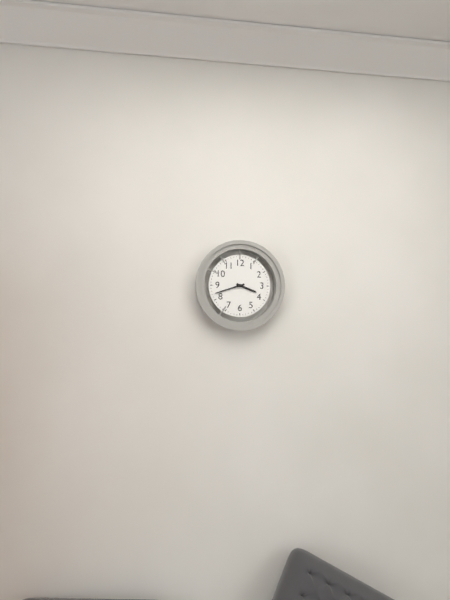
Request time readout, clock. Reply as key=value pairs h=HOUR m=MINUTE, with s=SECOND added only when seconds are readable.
h=3 m=42
